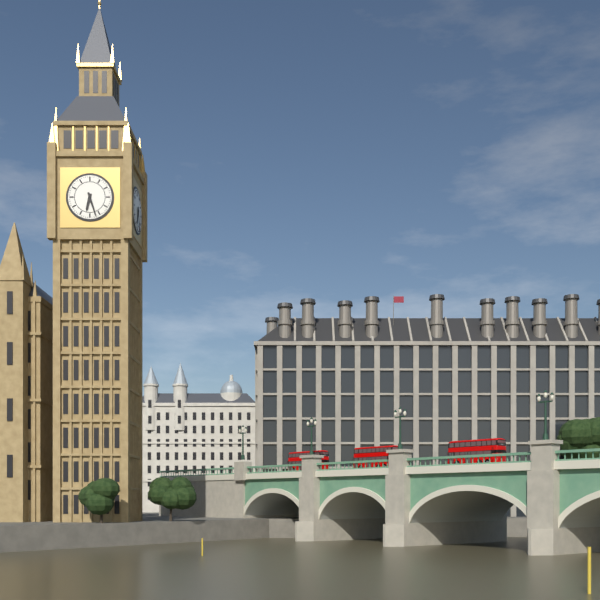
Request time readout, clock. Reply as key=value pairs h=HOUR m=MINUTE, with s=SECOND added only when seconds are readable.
h=6 m=27
